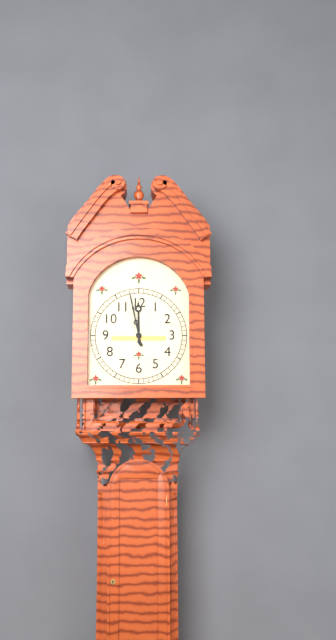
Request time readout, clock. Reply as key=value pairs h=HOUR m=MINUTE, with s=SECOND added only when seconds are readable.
h=11 m=58
